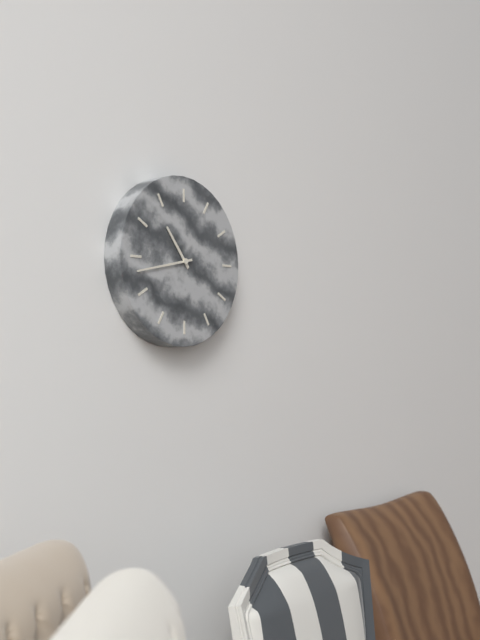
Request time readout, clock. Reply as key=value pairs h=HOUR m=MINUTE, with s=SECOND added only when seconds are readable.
h=10 m=43
